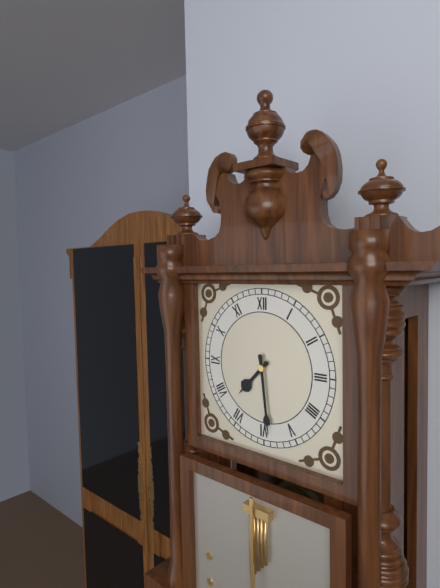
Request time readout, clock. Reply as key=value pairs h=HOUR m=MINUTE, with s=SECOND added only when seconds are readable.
h=7 m=29
